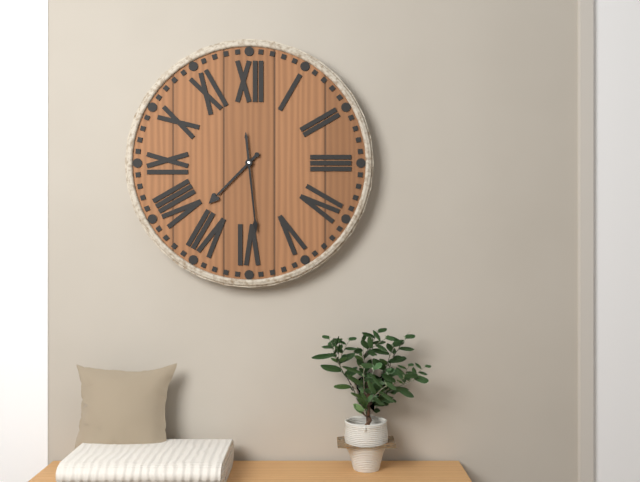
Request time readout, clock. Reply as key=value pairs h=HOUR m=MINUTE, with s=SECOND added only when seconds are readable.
h=7 m=29
